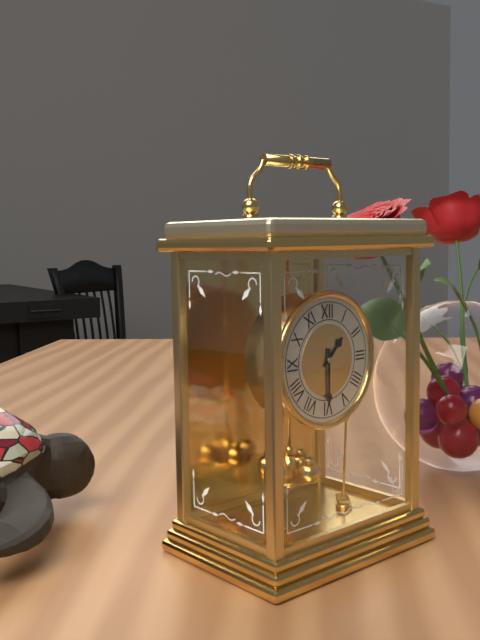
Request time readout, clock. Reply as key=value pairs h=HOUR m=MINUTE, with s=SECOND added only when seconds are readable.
h=1 m=30
